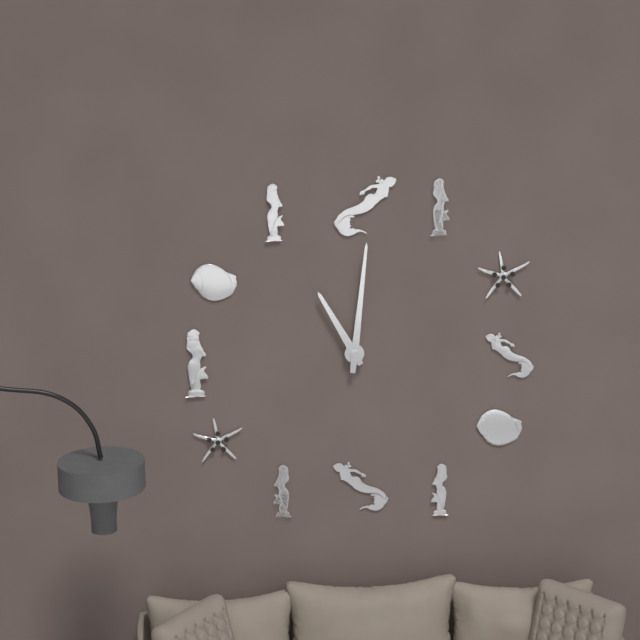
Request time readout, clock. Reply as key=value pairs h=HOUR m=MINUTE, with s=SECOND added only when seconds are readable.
h=11 m=1
